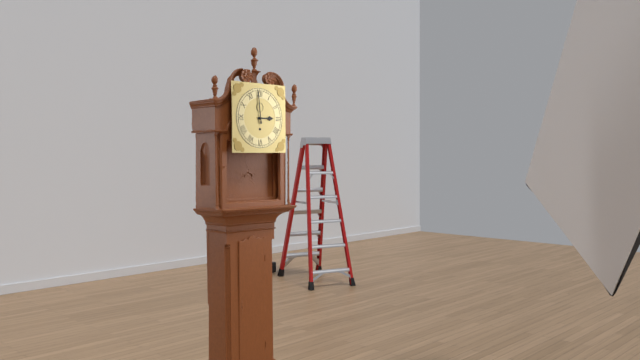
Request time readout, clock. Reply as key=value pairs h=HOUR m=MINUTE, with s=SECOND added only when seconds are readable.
h=2 m=59
